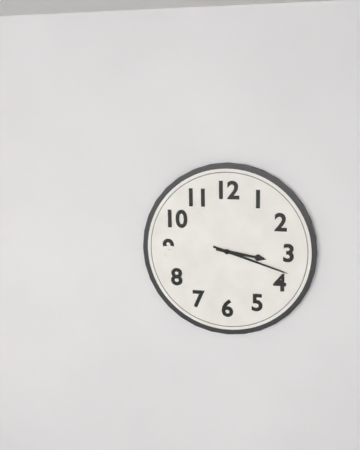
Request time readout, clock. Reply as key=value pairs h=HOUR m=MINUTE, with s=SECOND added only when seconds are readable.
h=3 m=18
